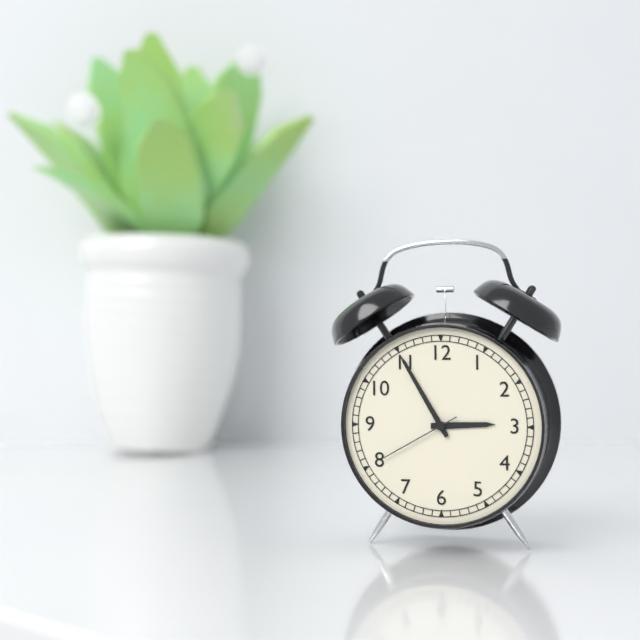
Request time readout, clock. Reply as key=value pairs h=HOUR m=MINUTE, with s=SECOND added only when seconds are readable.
h=2 m=55 s=40
